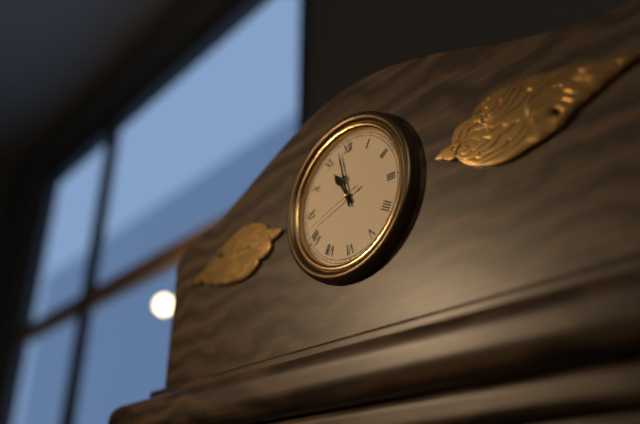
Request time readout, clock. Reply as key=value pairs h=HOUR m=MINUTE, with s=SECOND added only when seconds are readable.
h=10 m=58 s=42
